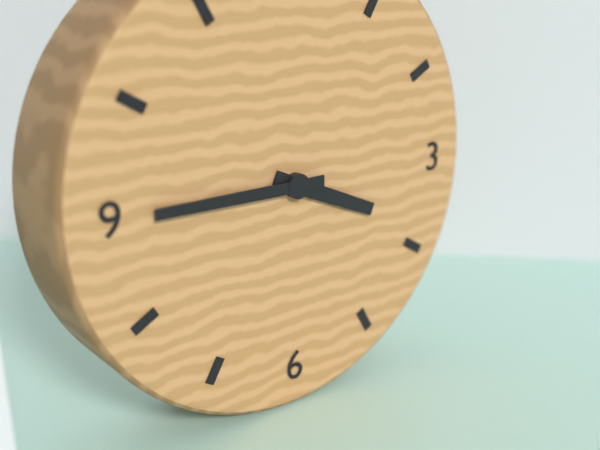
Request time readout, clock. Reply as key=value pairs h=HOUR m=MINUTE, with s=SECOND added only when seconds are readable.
h=3 m=45
